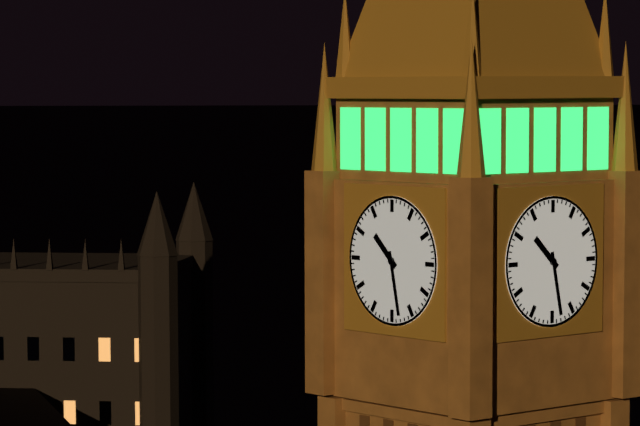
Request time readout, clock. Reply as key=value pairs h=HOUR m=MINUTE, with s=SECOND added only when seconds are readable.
h=10 m=28
